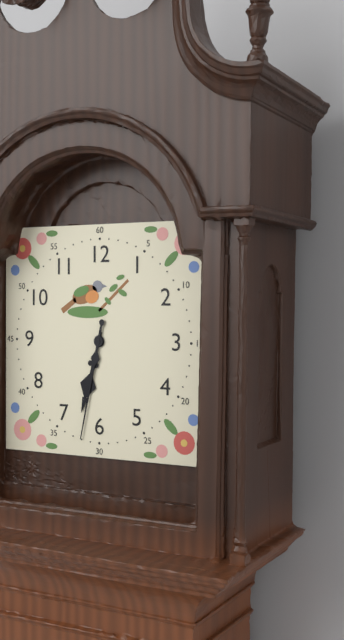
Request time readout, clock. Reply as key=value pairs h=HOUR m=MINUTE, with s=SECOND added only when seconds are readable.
h=6 m=32
